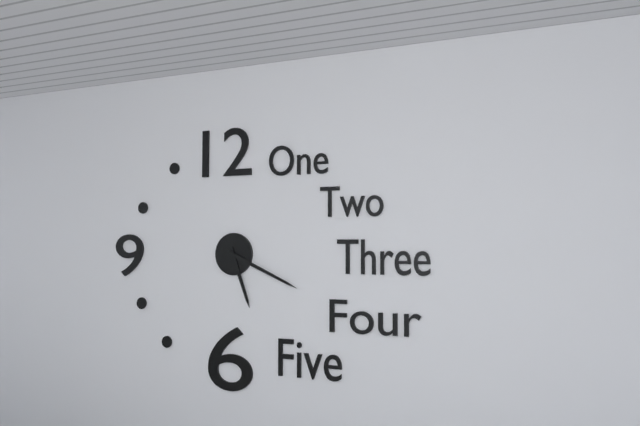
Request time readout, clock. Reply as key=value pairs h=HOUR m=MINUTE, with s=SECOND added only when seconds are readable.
h=5 m=19
